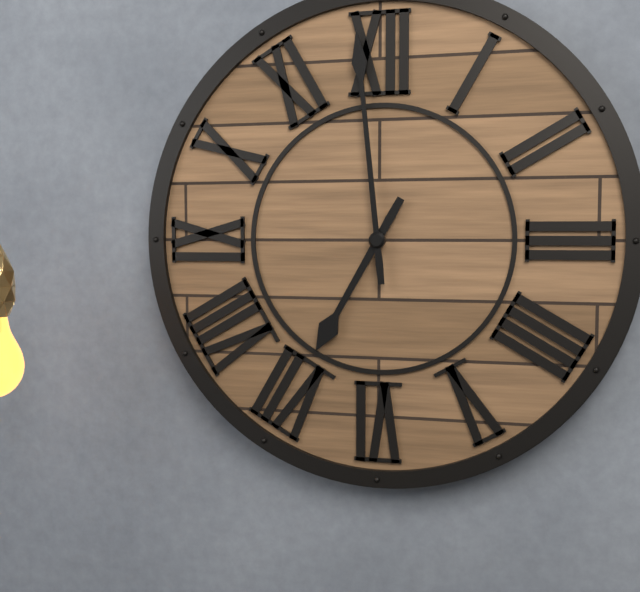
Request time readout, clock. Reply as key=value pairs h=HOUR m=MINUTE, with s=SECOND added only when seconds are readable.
h=6 m=59
